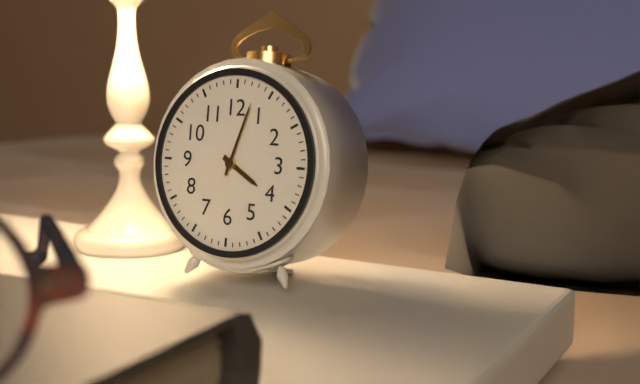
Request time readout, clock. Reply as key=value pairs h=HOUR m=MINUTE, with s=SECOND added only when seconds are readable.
h=4 m=3
